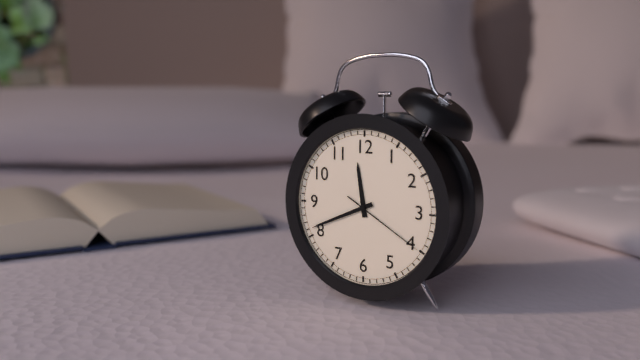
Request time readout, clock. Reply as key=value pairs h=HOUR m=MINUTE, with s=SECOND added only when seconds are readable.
h=11 m=41 s=20
